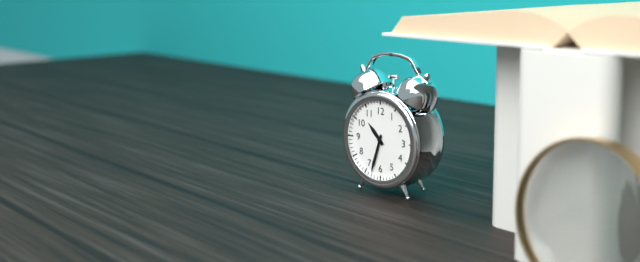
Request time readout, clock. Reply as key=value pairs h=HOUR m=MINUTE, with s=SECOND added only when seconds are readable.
h=10 m=33
